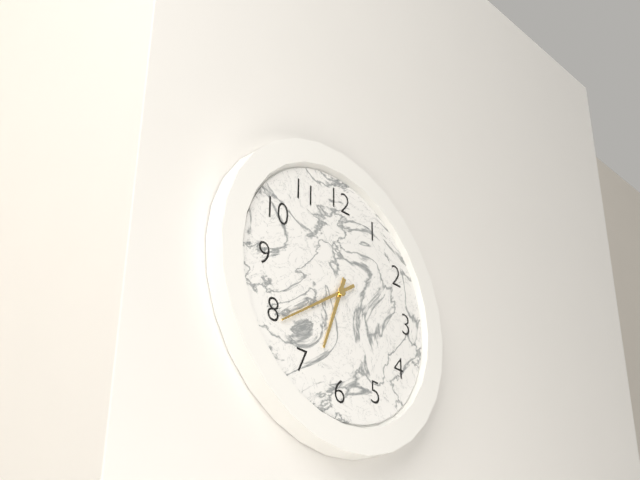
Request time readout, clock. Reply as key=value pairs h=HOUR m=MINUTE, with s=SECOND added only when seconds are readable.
h=6 m=39
